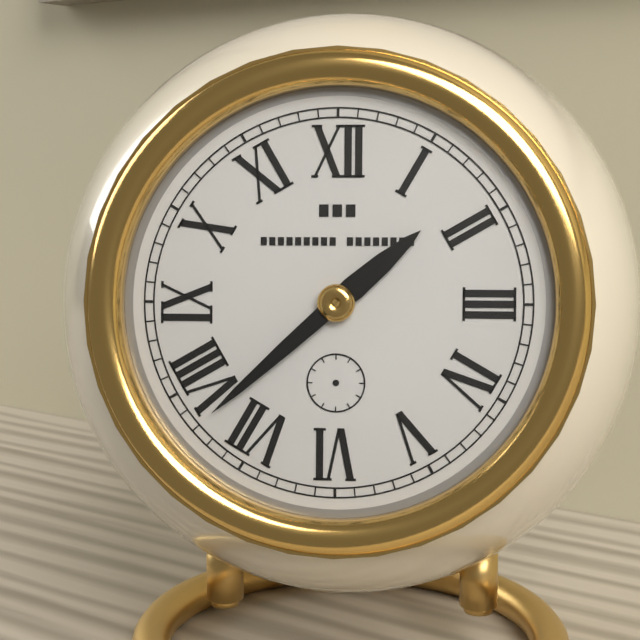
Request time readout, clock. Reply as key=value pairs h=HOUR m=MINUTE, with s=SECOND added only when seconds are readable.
h=1 m=38
